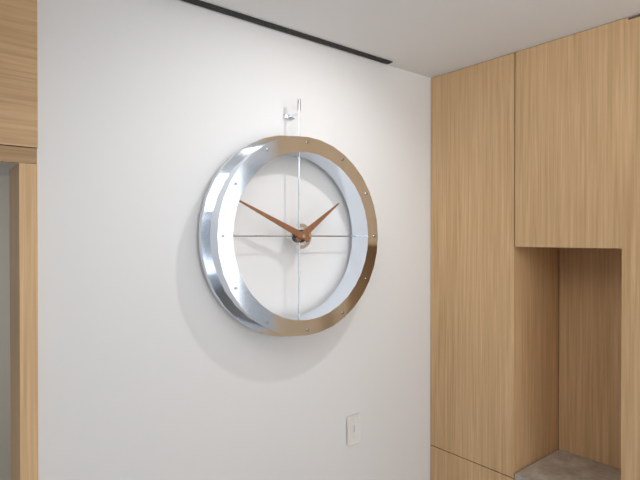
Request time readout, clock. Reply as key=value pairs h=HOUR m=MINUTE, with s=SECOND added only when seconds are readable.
h=1 m=49
